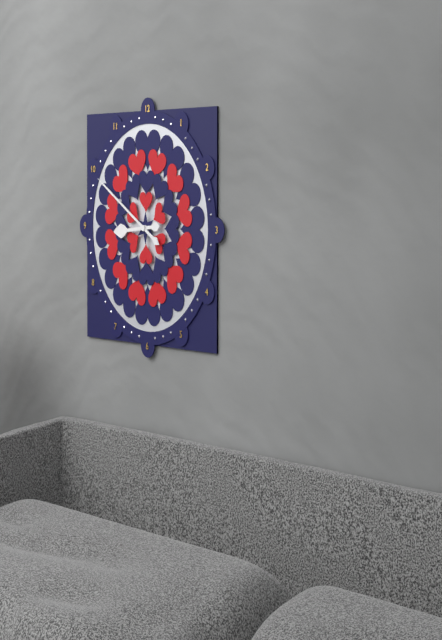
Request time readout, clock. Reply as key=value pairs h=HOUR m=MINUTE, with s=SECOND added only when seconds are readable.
h=8 m=50
